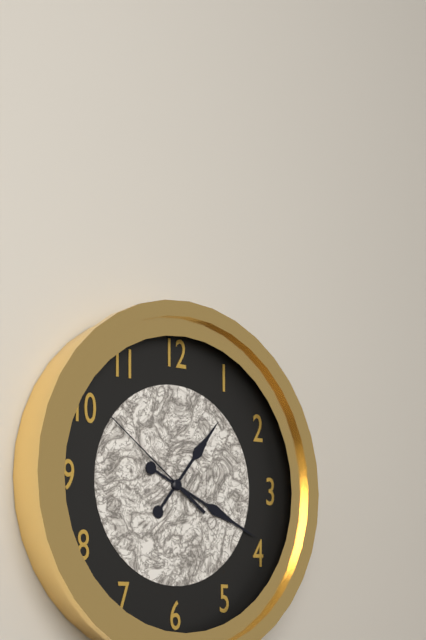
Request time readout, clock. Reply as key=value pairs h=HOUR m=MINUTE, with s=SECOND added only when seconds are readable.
h=1 m=19 s=51
